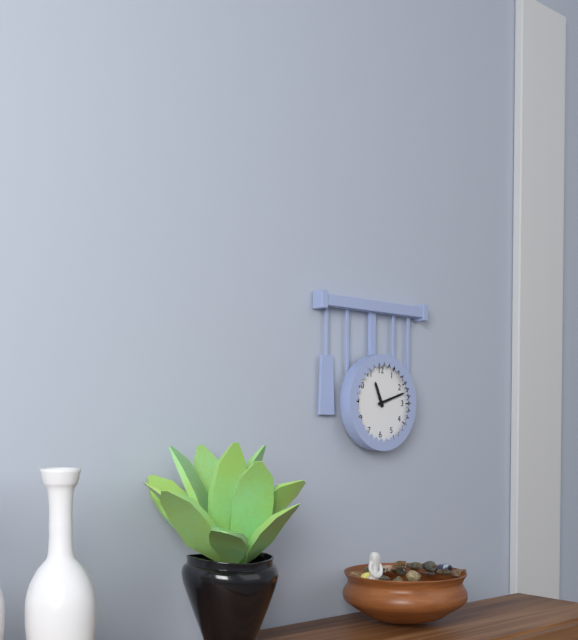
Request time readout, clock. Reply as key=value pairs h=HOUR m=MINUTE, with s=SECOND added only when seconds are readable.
h=11 m=12
